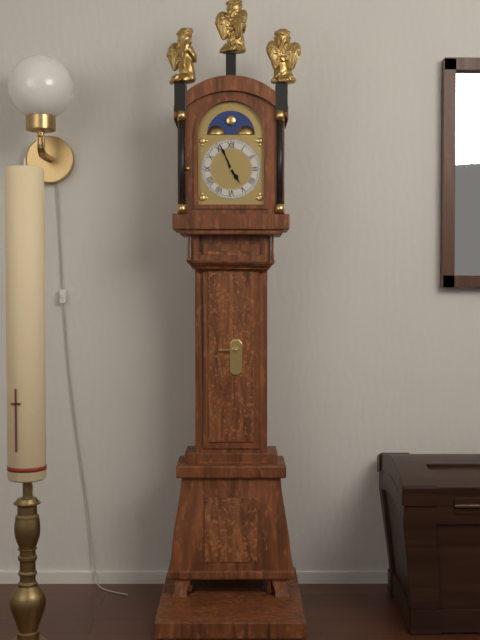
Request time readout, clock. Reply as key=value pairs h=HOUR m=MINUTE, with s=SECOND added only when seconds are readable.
h=4 m=56
